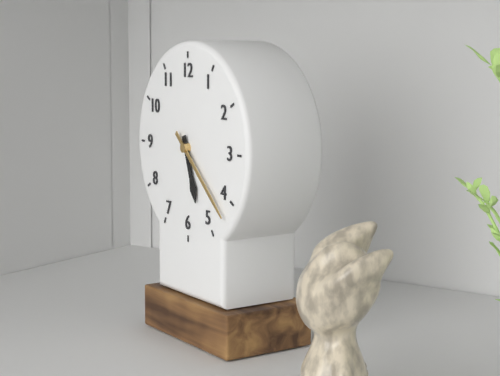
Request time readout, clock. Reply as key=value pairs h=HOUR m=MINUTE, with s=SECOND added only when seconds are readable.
h=5 m=22
